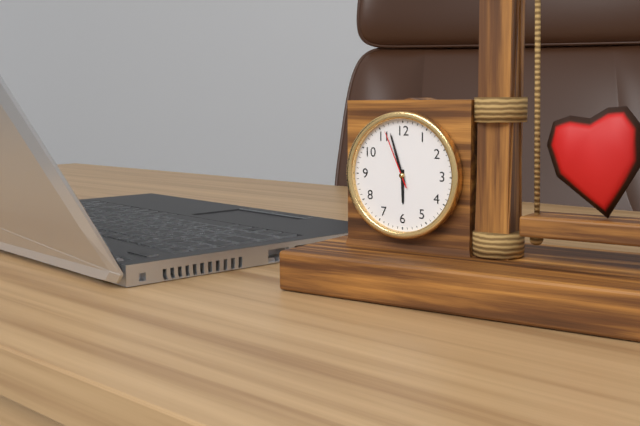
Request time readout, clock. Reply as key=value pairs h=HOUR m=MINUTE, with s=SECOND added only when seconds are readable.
h=5 m=57 s=56
